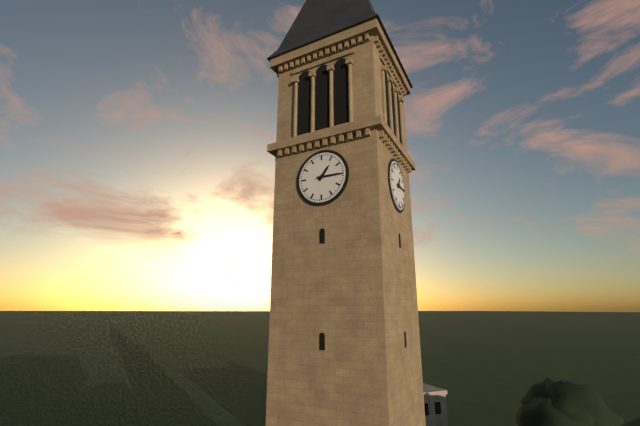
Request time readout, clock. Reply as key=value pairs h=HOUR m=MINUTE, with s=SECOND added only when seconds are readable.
h=1 m=15
